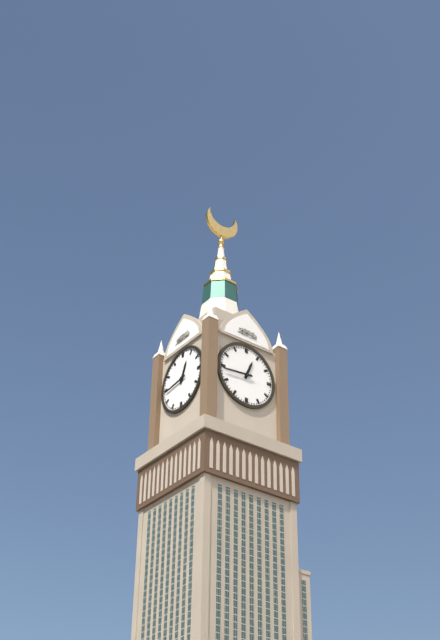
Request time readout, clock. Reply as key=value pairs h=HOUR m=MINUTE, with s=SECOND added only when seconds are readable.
h=12 m=44
